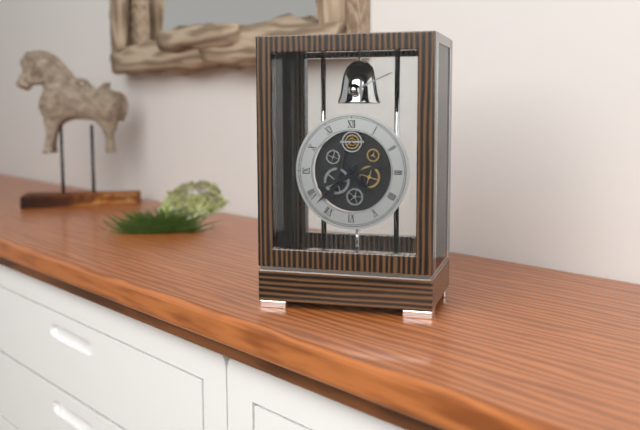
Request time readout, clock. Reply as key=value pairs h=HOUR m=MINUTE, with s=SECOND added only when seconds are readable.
h=4 m=38
